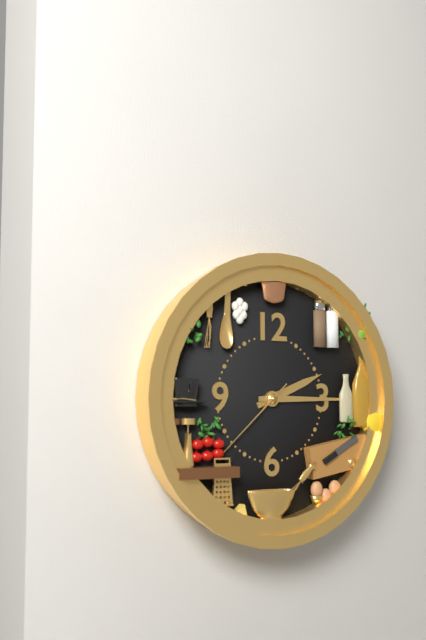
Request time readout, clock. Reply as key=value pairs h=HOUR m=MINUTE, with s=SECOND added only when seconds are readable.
h=2 m=15 s=38
